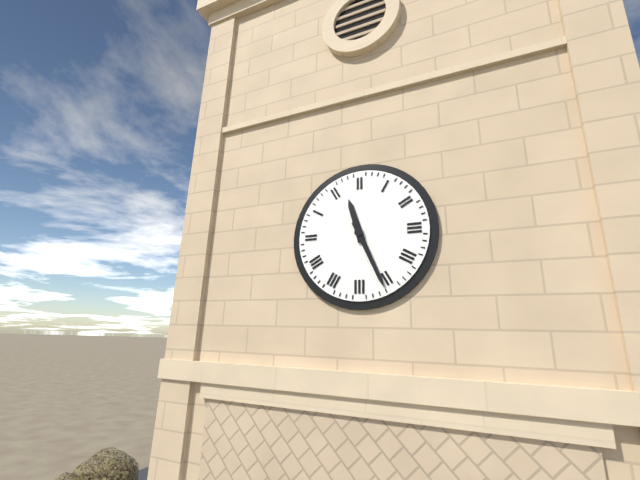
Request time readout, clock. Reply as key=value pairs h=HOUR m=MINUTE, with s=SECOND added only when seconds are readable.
h=11 m=26
